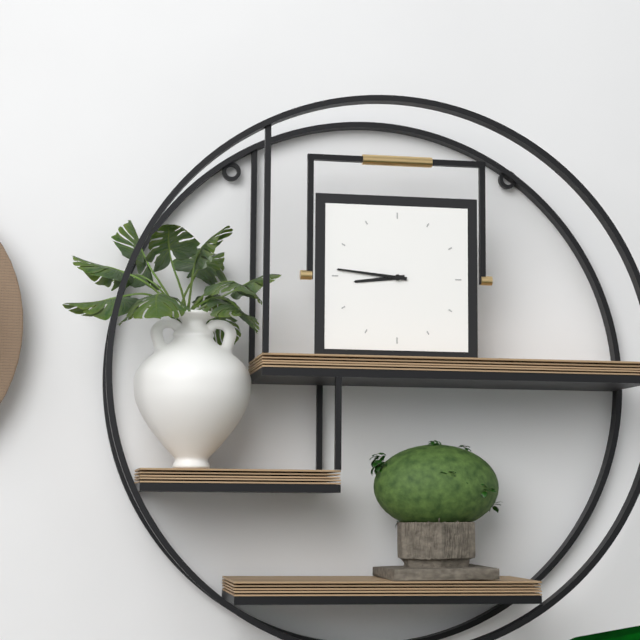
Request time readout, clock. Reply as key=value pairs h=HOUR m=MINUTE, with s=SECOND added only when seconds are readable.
h=8 m=46
